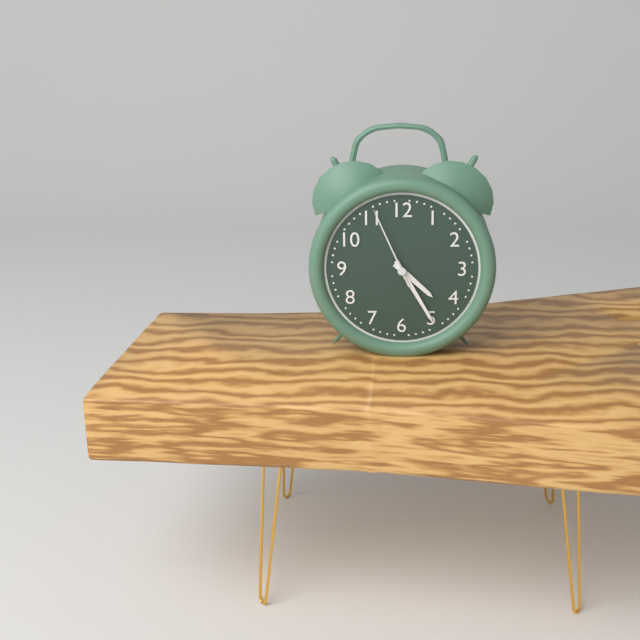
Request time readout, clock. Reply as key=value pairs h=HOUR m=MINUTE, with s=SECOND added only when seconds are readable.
h=4 m=25 s=56
